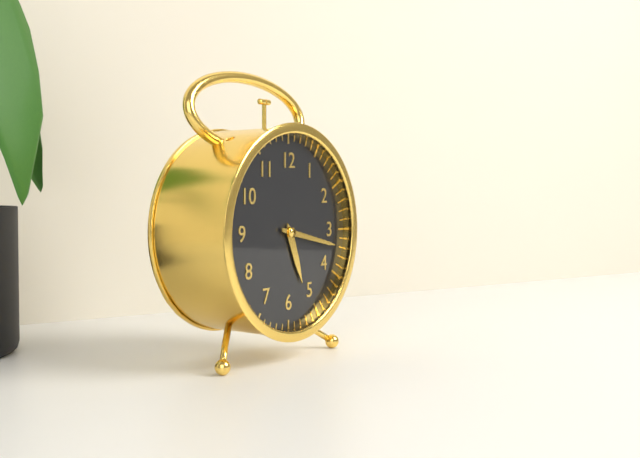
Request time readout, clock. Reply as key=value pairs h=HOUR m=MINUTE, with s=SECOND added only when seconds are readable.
h=5 m=17
